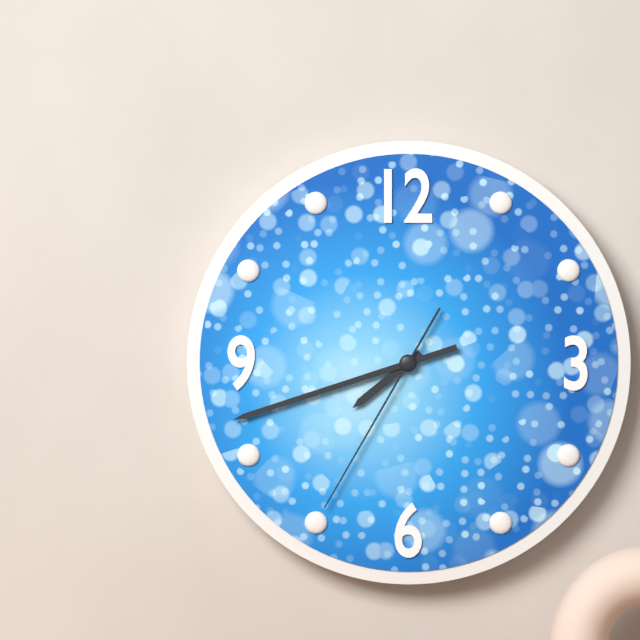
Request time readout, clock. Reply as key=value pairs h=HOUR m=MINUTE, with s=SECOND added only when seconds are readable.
h=7 m=42 s=35
